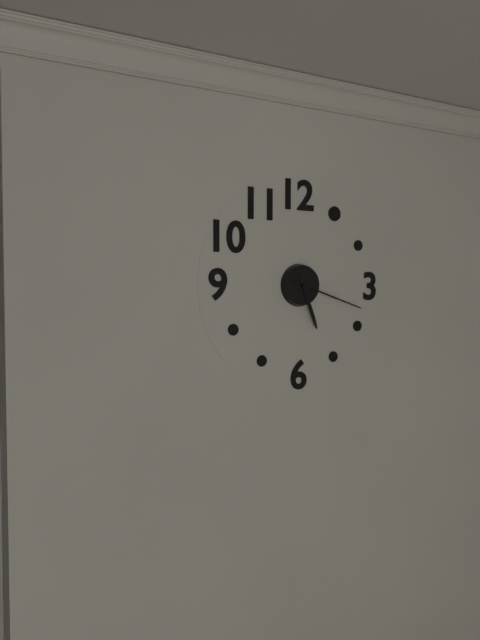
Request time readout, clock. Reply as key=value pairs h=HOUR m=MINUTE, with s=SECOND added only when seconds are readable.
h=5 m=18
